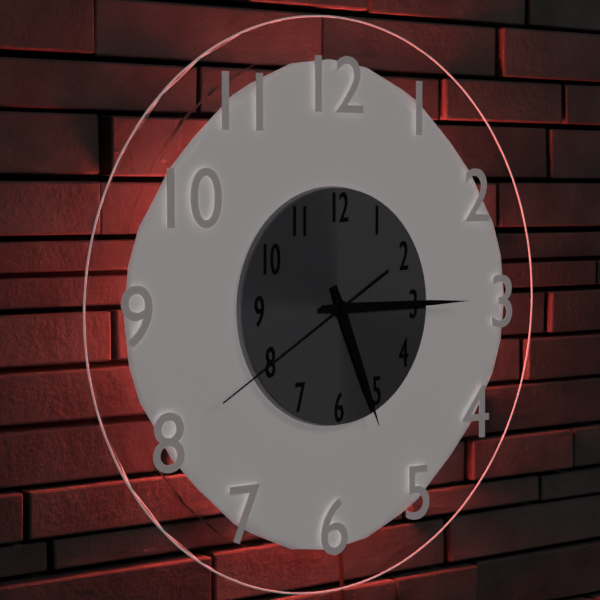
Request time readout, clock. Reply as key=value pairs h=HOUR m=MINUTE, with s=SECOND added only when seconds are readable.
h=5 m=15 s=40
